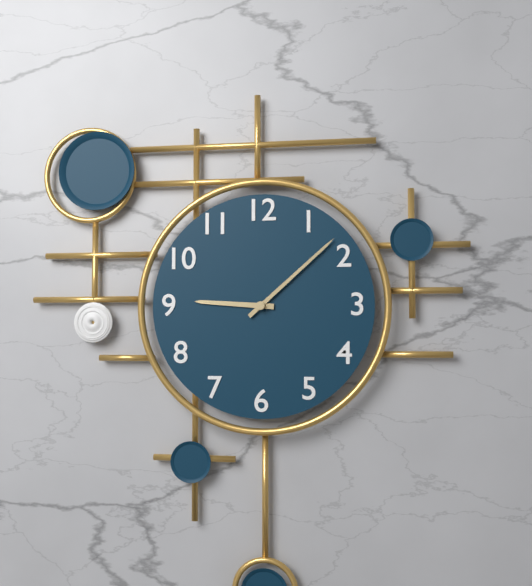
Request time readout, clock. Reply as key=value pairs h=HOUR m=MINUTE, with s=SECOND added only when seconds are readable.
h=9 m=8
